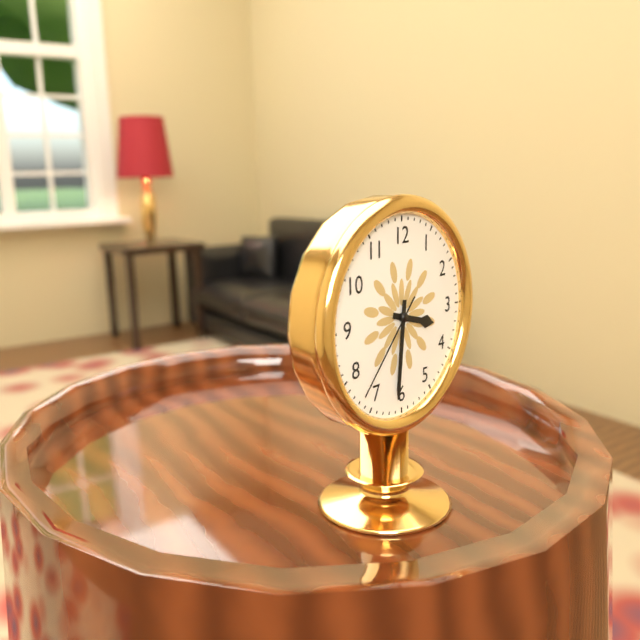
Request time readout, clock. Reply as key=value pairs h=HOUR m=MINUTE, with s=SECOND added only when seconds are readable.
h=3 m=31 s=37
